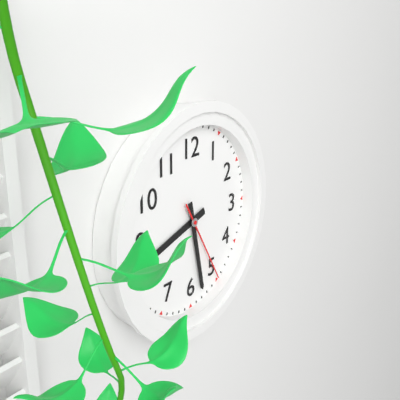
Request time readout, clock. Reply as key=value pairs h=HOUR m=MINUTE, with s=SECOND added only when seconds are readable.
h=8 m=28 s=25
